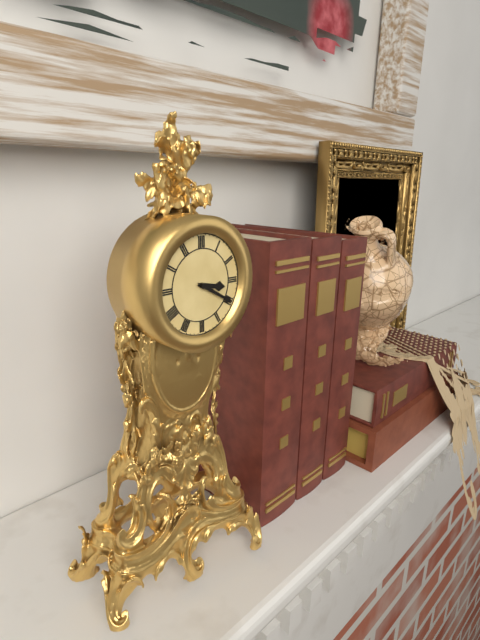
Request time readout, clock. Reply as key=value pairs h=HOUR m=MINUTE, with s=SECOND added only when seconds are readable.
h=3 m=20
